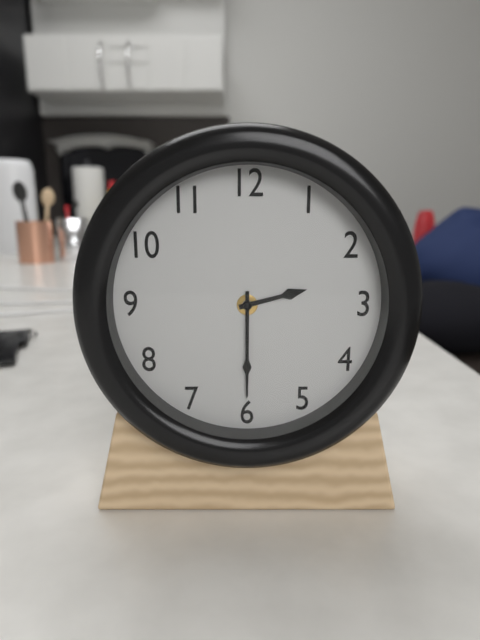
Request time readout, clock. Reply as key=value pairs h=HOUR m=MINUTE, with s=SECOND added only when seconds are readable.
h=2 m=30
